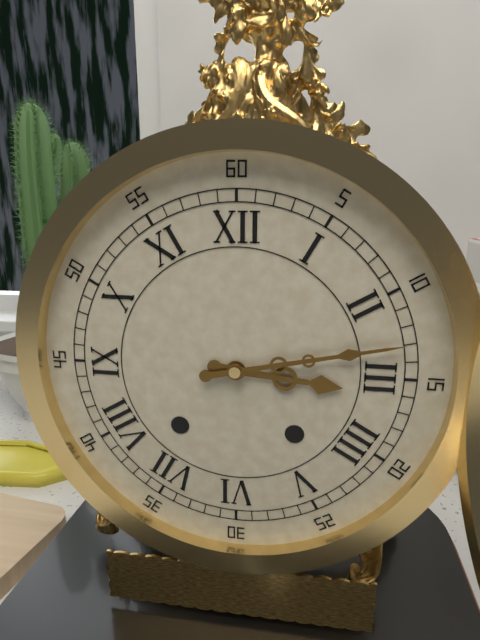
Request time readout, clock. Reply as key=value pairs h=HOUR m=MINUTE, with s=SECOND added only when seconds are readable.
h=3 m=13
